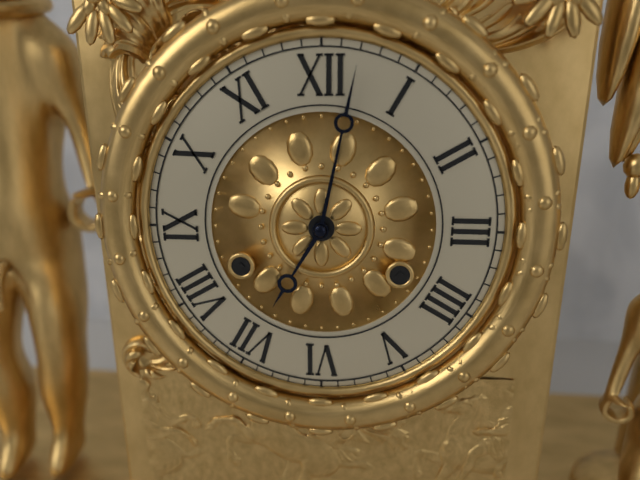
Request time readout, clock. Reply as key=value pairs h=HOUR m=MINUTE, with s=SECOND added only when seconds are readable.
h=7 m=2
